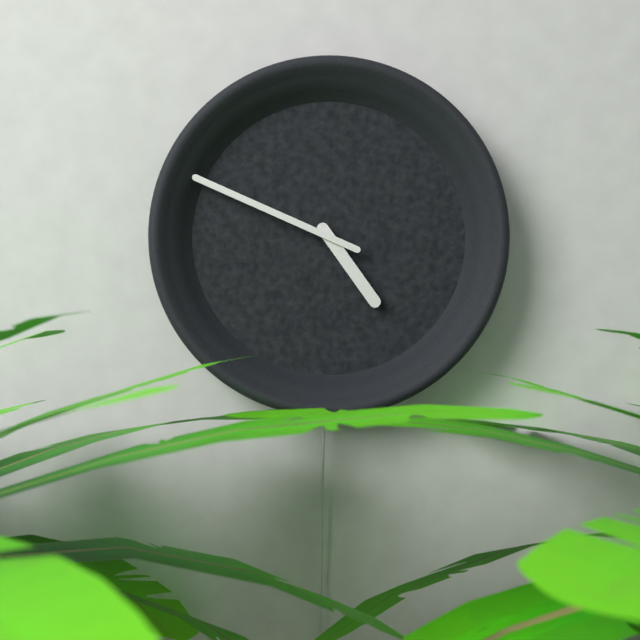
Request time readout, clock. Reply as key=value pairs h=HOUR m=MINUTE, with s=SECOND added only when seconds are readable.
h=4 m=49
